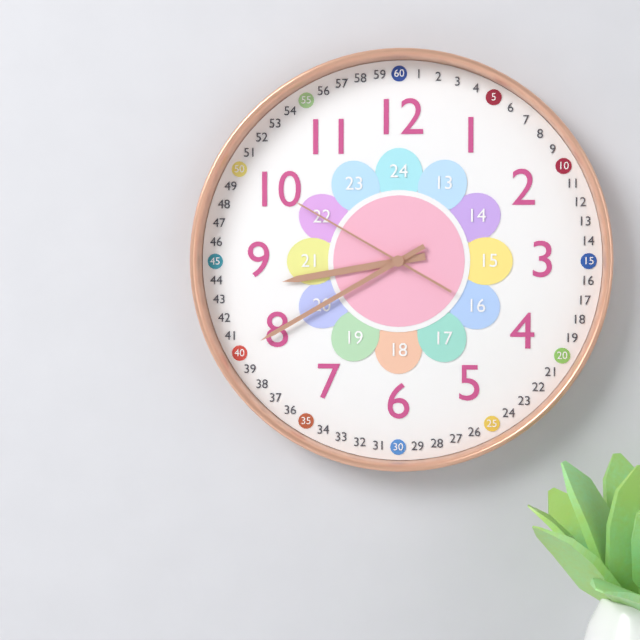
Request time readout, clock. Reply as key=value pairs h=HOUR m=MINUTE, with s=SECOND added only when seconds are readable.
h=8 m=40 s=50
